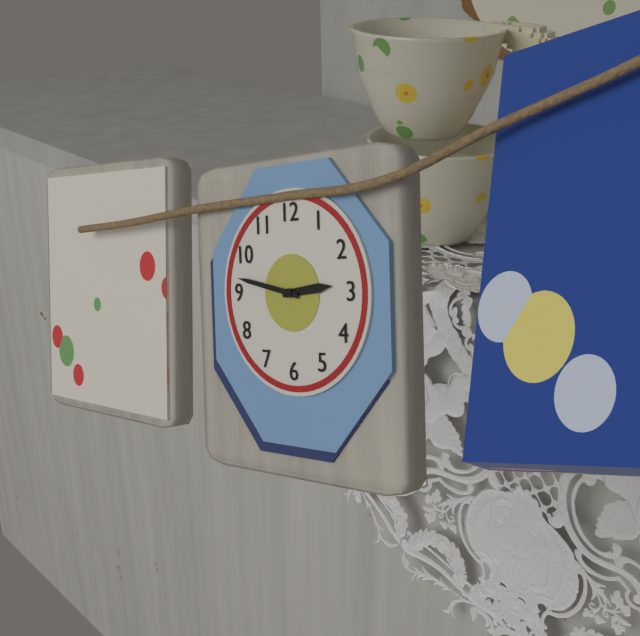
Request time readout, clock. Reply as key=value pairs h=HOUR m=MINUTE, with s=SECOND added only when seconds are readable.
h=2 m=47
